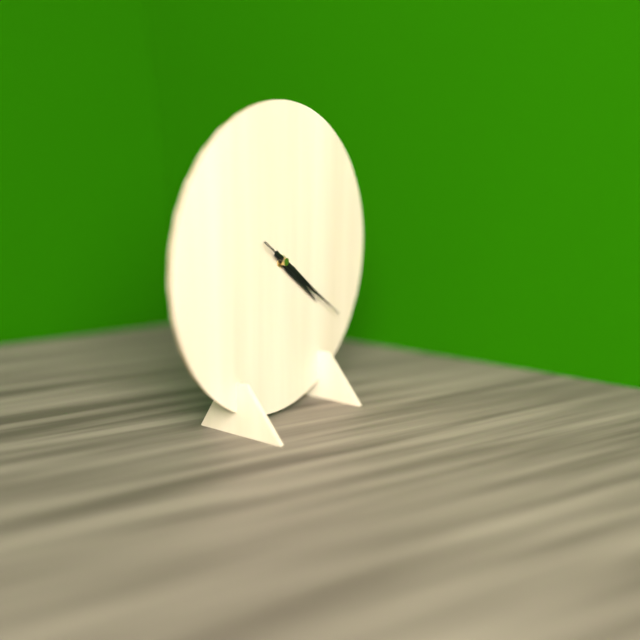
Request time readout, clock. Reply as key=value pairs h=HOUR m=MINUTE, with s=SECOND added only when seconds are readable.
h=4 m=21 s=21
